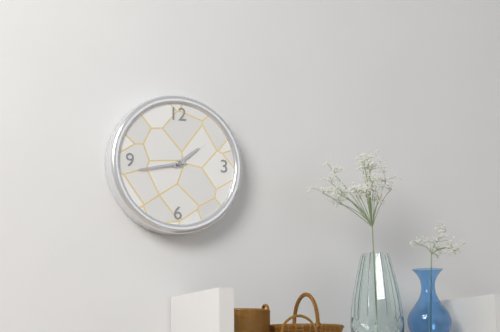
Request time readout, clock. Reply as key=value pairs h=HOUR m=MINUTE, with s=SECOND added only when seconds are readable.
h=1 m=43
